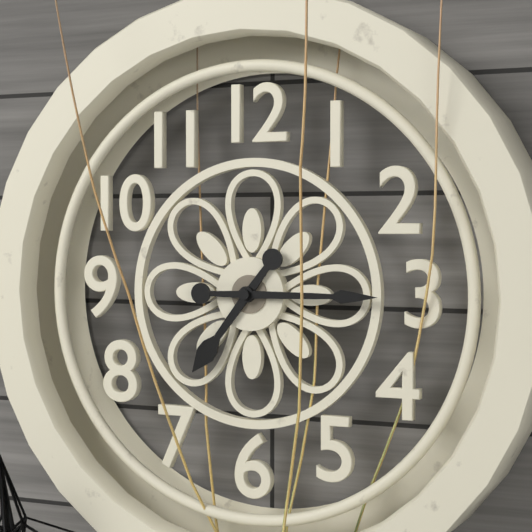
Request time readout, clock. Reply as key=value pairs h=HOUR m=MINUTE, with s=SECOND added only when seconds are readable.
h=7 m=15
